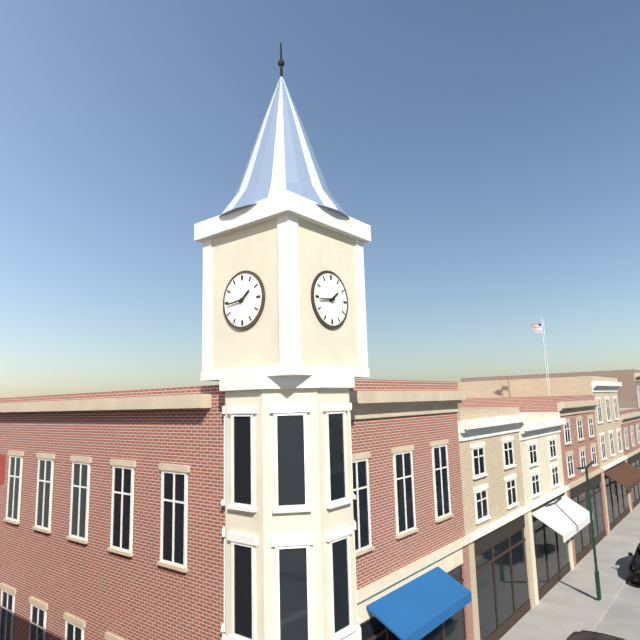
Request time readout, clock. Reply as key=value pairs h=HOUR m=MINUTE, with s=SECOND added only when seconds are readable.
h=1 m=44
